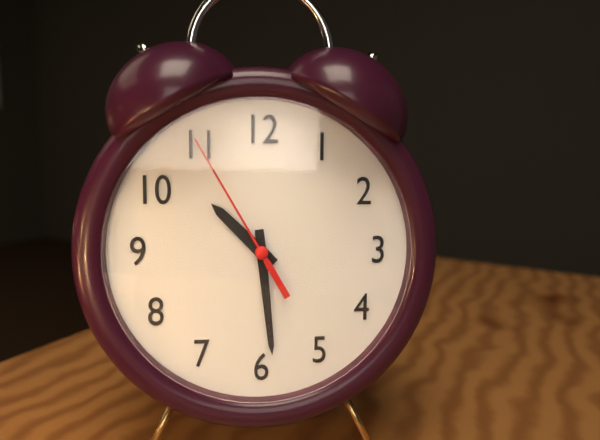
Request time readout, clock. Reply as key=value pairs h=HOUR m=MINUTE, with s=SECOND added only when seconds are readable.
h=10 m=29 s=55
